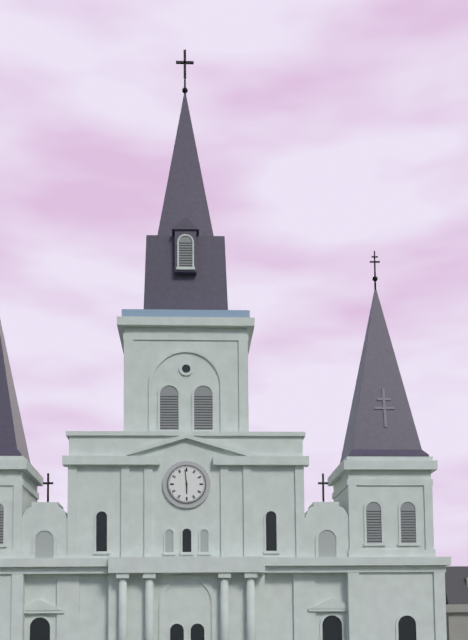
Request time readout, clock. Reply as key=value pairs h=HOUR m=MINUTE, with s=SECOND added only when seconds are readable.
h=5 m=59
